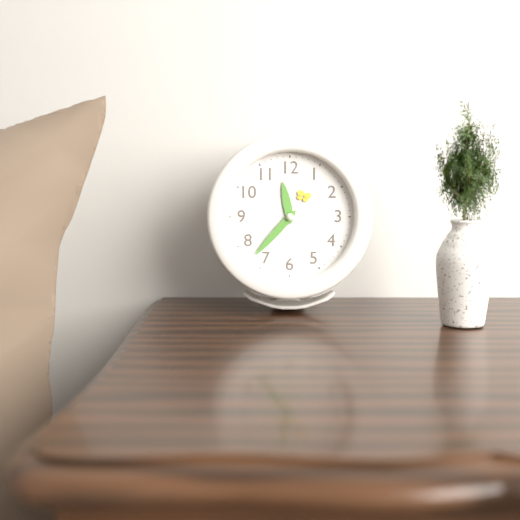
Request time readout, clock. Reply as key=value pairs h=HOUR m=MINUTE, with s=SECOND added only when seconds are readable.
h=11 m=37
